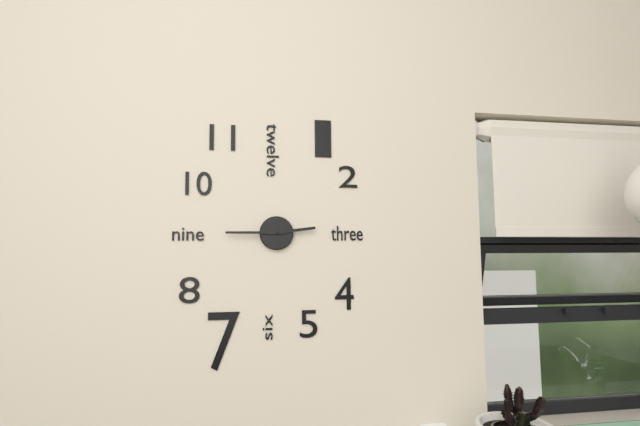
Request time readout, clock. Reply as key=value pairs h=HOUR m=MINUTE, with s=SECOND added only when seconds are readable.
h=2 m=45
